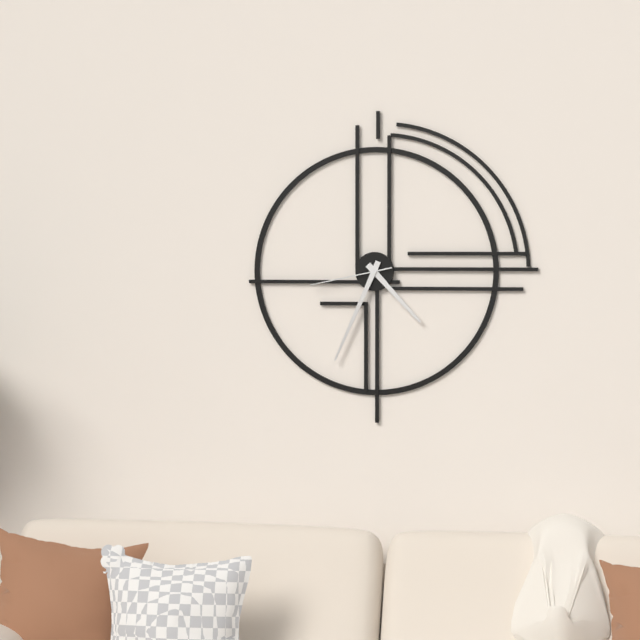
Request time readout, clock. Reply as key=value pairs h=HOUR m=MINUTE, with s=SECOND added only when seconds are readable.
h=4 m=34 s=43
